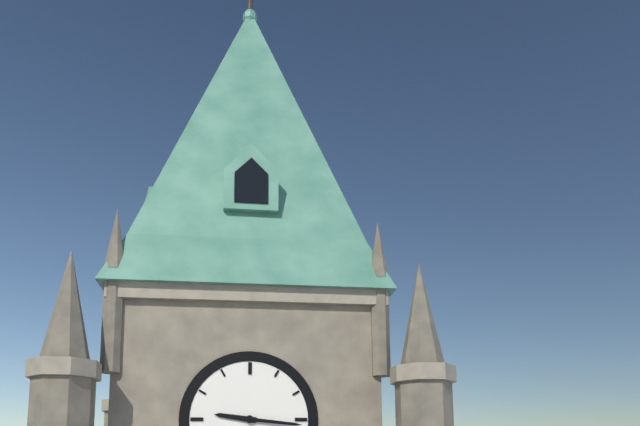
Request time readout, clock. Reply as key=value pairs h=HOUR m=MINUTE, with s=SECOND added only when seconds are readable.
h=9 m=16
